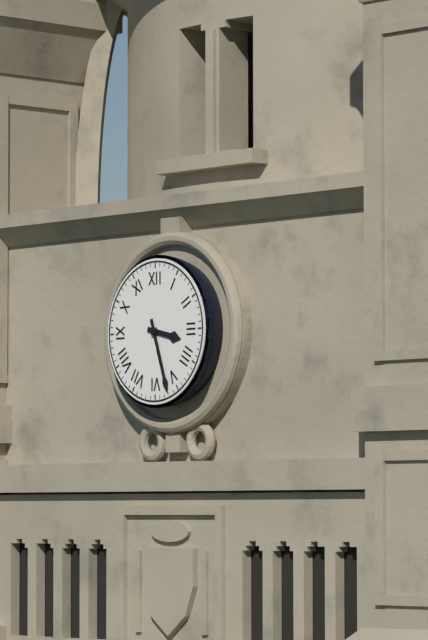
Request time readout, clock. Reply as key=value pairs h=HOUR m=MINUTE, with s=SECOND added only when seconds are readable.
h=3 m=27
